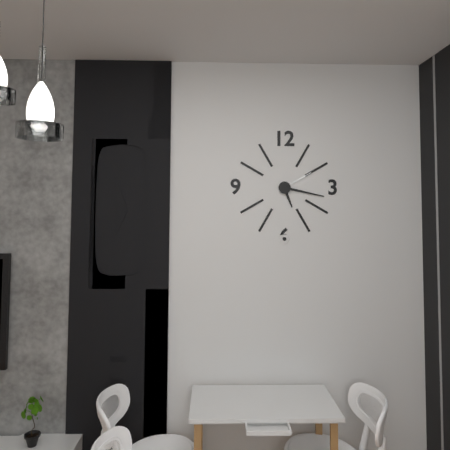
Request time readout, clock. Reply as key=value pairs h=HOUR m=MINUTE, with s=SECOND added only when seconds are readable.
h=5 m=17
